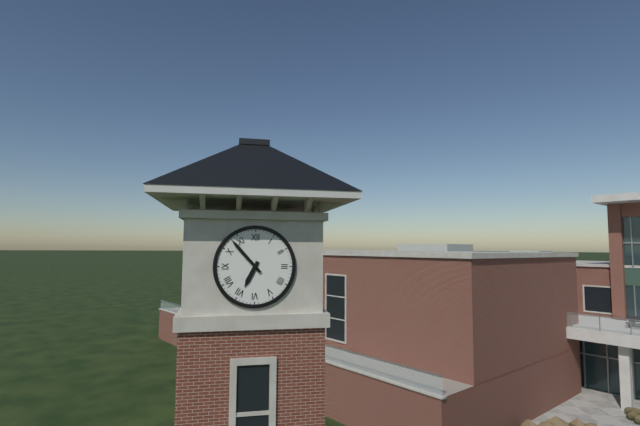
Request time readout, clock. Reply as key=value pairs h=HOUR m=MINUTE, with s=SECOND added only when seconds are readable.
h=6 m=53
